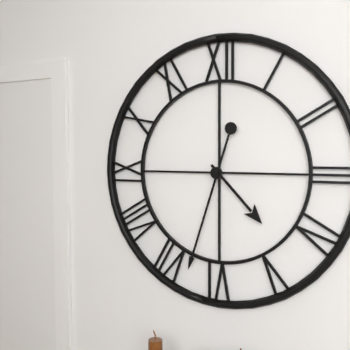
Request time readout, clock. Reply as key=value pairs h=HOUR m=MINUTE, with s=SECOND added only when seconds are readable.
h=4 m=33
